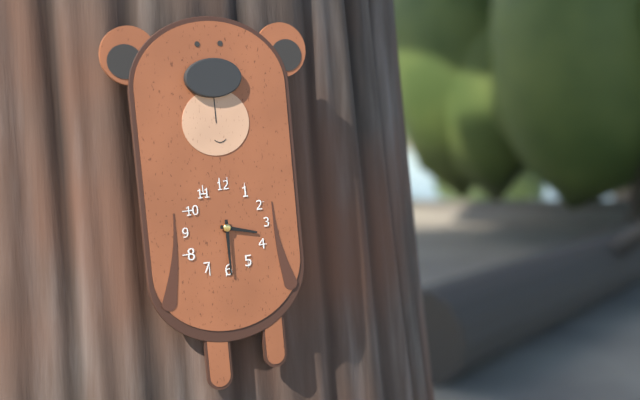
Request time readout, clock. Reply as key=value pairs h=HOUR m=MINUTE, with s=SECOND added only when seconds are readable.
h=3 m=30
